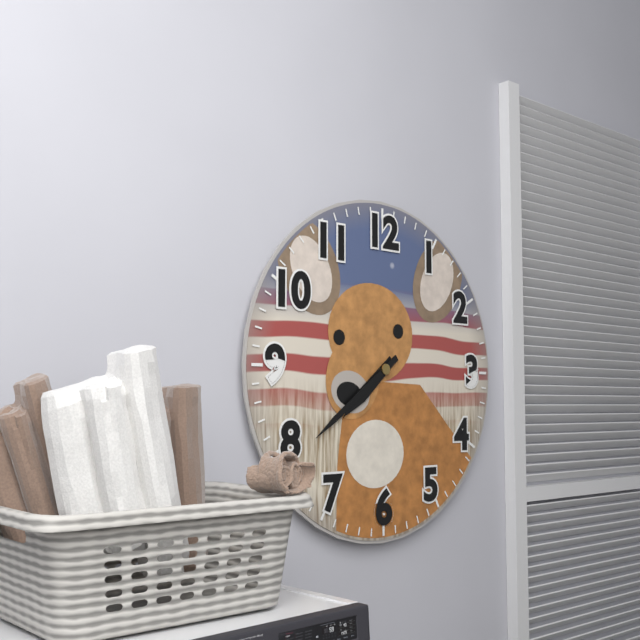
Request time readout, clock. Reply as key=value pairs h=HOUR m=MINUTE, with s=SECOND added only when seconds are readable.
h=7 m=39
